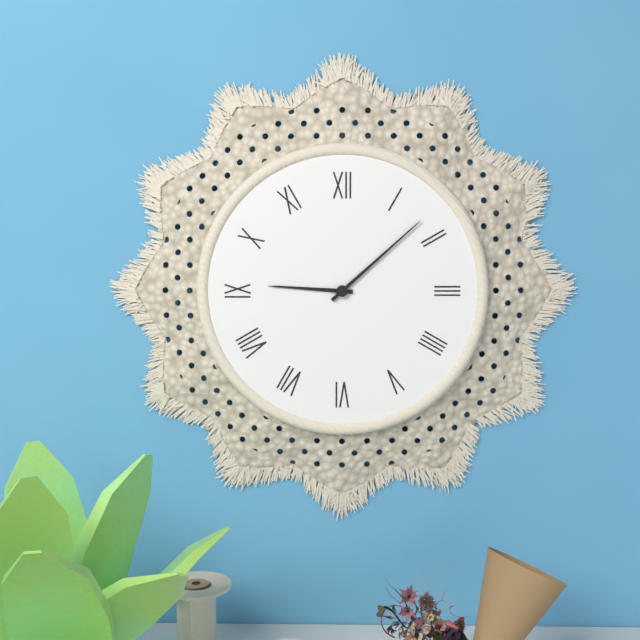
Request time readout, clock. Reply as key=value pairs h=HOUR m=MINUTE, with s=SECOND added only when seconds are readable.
h=9 m=8
